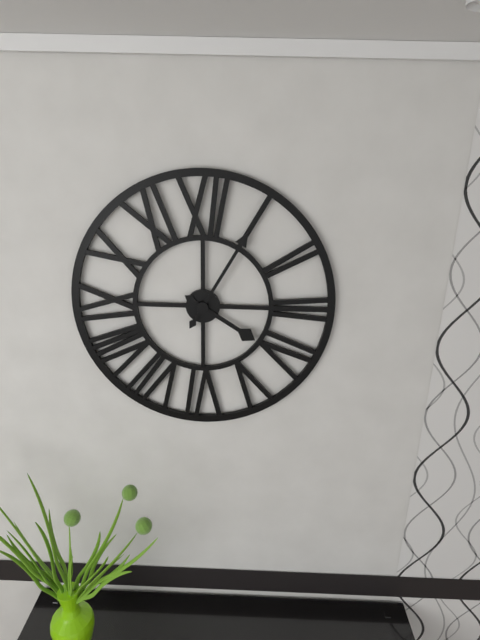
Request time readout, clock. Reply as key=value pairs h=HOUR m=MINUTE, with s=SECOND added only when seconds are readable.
h=4 m=5
